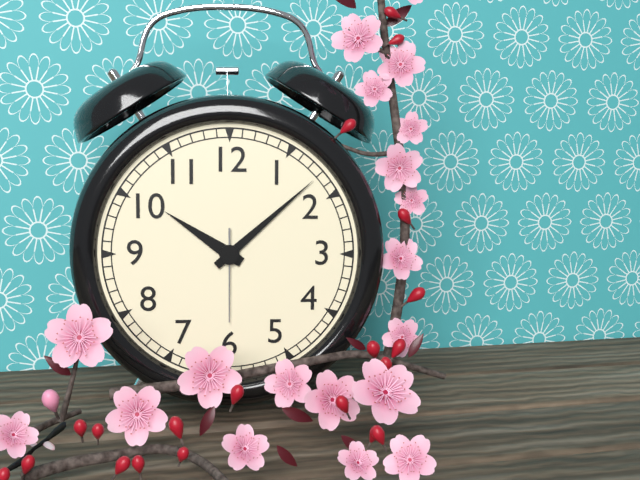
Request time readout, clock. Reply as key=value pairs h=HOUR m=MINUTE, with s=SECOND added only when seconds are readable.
h=10 m=8 s=30
